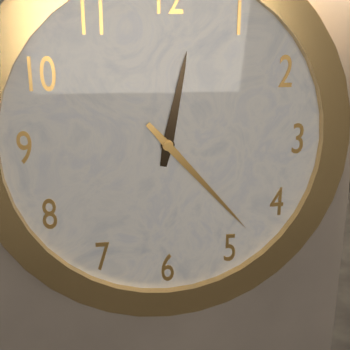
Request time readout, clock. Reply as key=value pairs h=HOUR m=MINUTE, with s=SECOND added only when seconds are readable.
h=12 m=23
